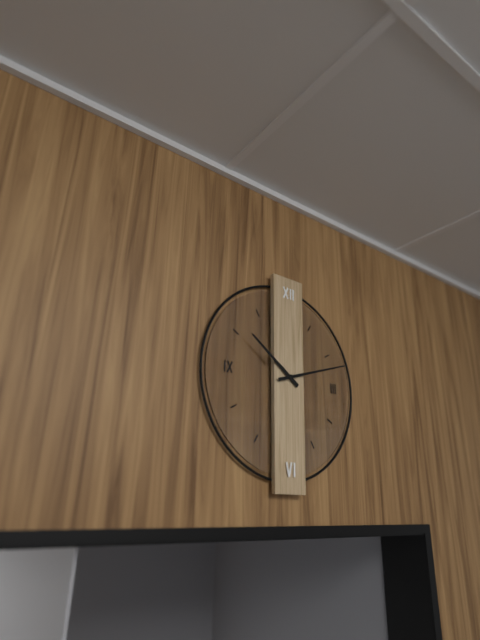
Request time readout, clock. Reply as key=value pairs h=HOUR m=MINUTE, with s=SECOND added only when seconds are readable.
h=10 m=12
